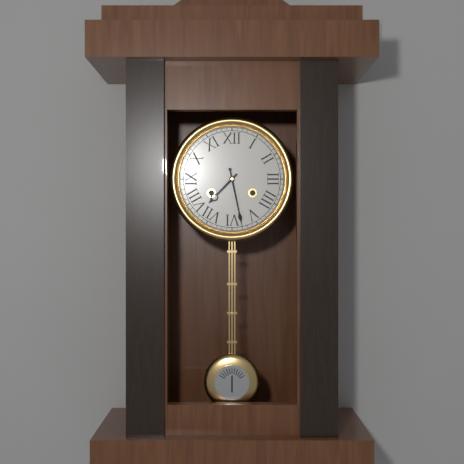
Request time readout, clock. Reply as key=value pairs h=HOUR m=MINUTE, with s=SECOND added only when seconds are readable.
h=7 m=28
